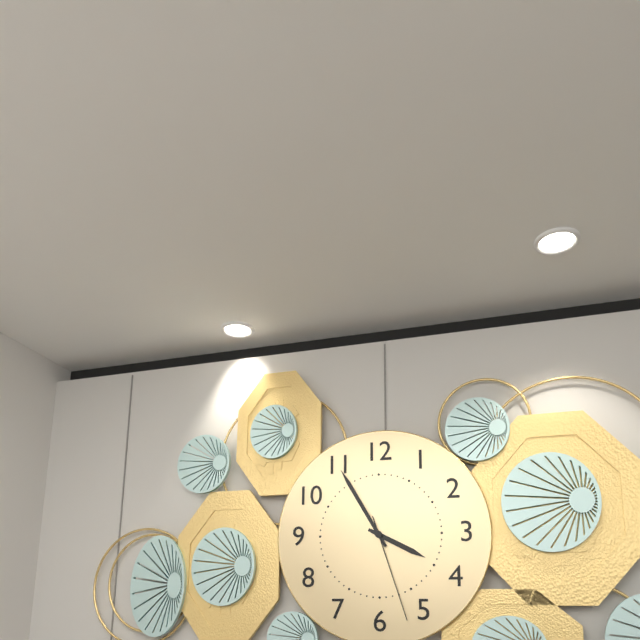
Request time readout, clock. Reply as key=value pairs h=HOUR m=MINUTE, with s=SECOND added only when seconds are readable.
h=3 m=55 s=27
